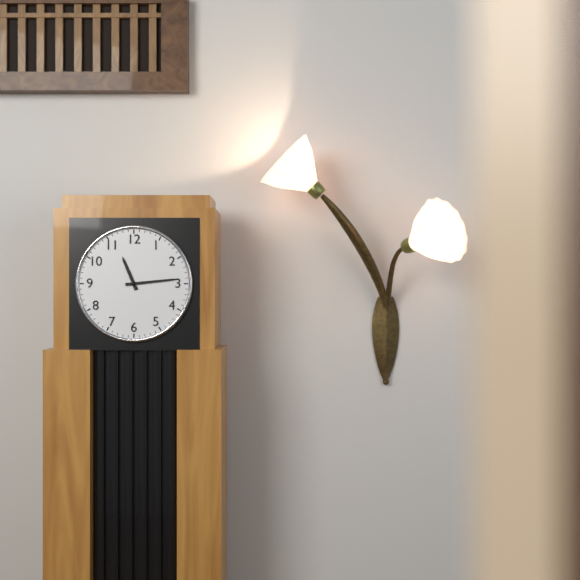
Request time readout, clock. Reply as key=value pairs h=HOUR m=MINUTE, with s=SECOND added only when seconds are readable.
h=11 m=14
